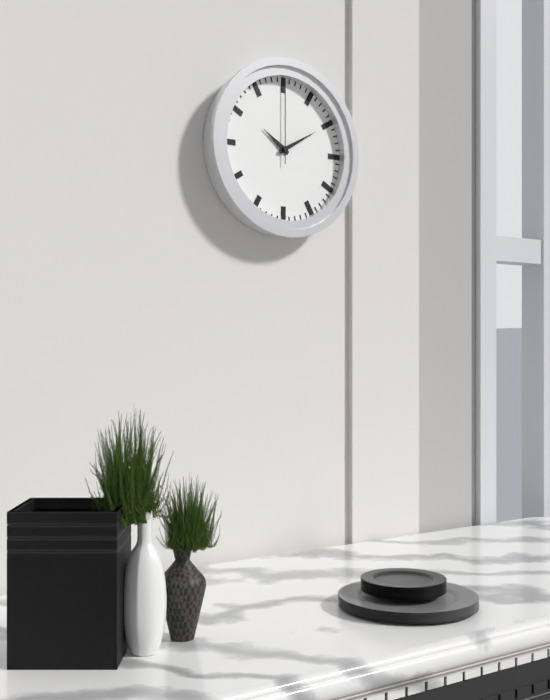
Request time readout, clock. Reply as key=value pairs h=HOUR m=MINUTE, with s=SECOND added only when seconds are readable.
h=10 m=10 s=0
